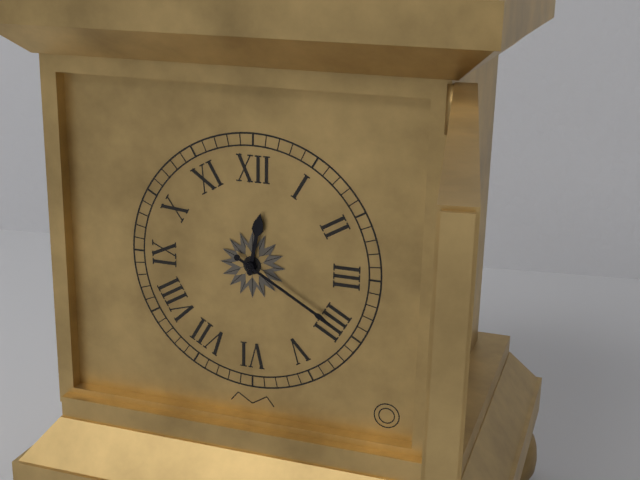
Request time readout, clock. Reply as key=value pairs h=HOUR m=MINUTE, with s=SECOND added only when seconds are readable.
h=12 m=20
